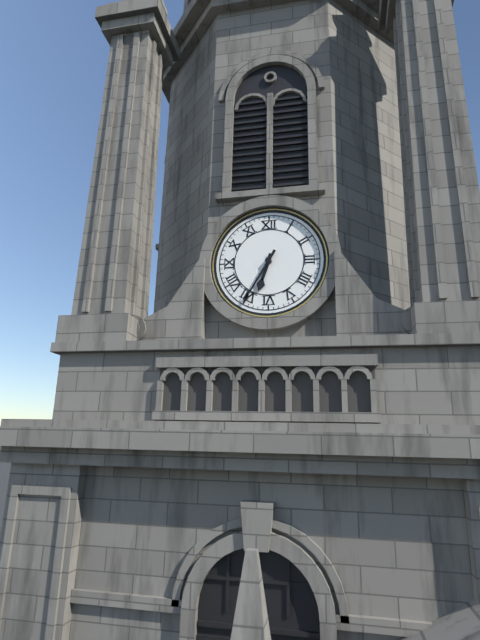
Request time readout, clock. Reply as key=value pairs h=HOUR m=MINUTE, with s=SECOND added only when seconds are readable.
h=6 m=35
